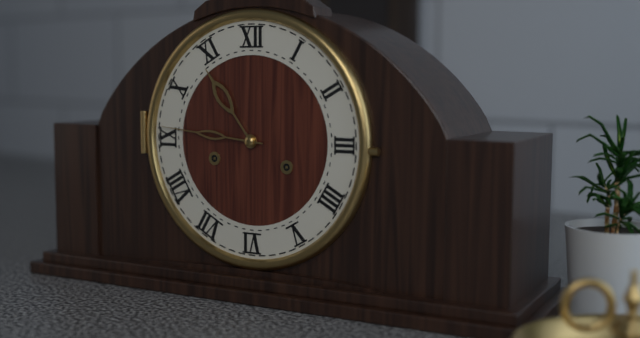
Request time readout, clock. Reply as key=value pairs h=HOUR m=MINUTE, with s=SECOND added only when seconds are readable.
h=10 m=46
